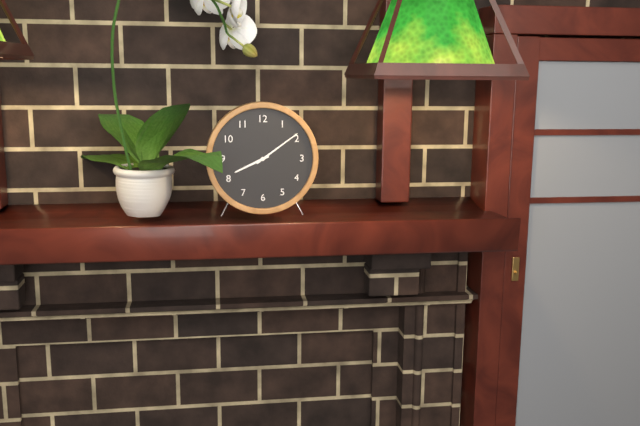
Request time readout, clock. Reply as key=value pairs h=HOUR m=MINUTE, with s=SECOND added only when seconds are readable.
h=8 m=9
